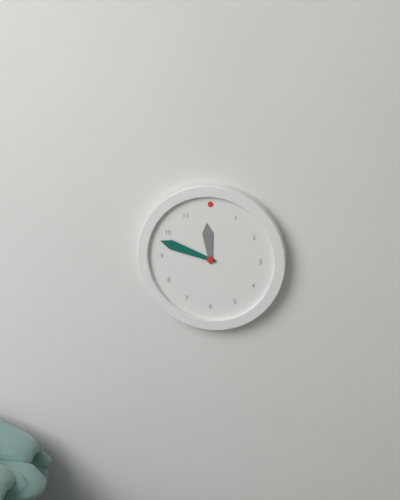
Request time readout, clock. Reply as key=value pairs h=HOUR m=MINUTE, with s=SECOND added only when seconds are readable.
h=11 m=48
